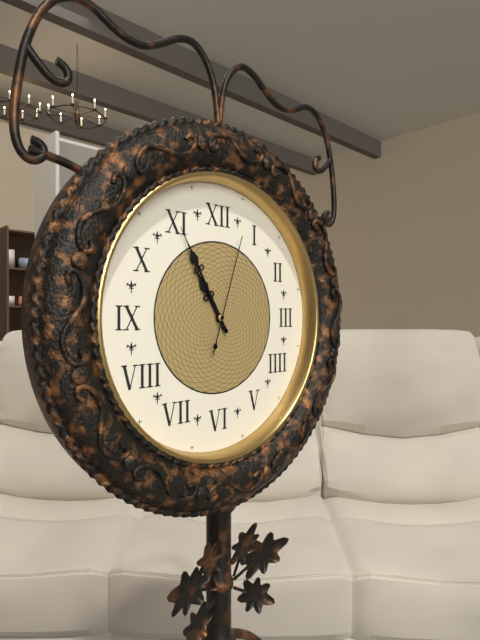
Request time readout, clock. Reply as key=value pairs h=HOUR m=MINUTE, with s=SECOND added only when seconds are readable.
h=10 m=55 s=3
